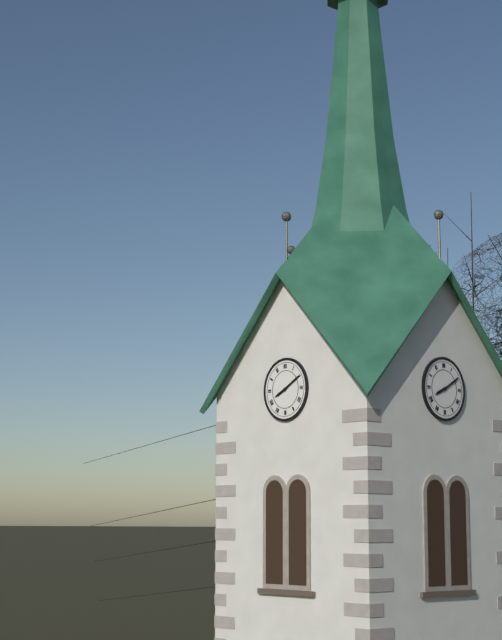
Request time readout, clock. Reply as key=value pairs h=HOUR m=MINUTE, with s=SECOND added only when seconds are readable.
h=8 m=10
